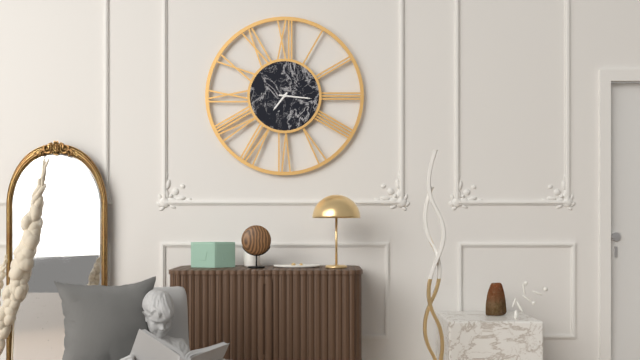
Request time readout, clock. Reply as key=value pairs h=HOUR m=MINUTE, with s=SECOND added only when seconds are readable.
h=7 m=16
